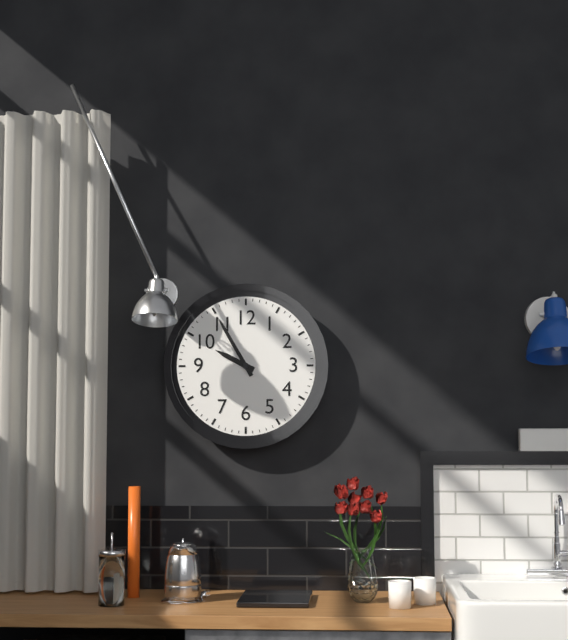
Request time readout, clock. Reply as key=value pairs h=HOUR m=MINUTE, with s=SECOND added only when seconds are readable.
h=9 m=55
